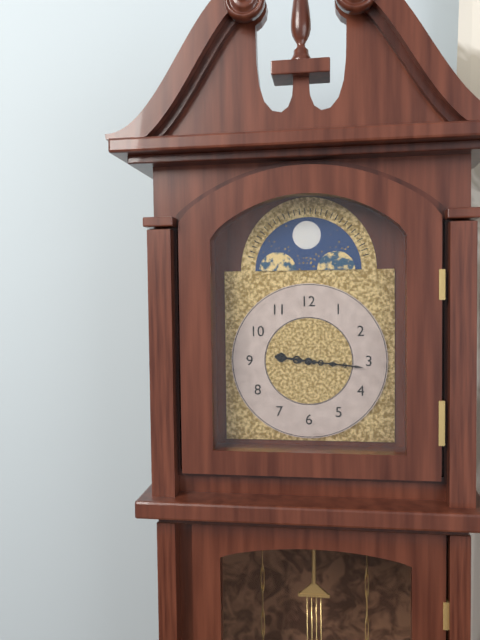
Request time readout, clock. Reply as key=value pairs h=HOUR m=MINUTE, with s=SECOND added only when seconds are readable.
h=9 m=16
